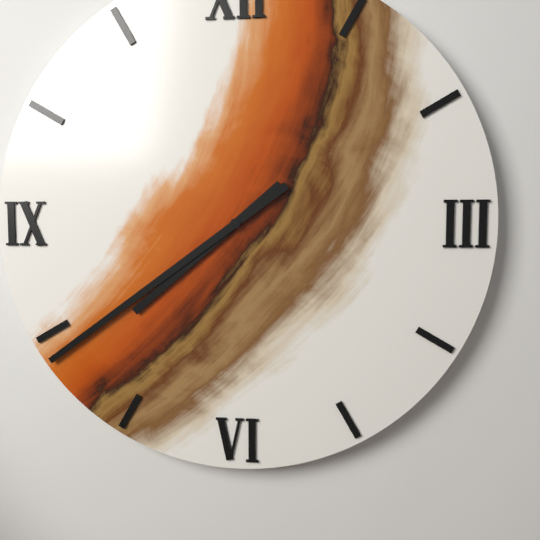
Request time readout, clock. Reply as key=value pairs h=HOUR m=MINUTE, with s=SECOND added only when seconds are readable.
h=7 m=39
